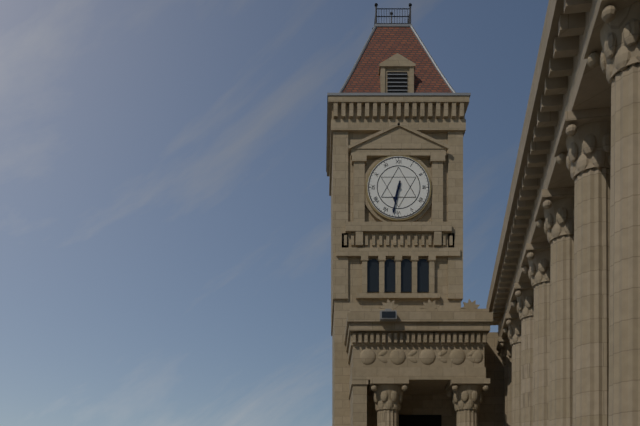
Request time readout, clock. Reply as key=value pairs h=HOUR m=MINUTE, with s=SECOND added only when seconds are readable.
h=6 m=32
